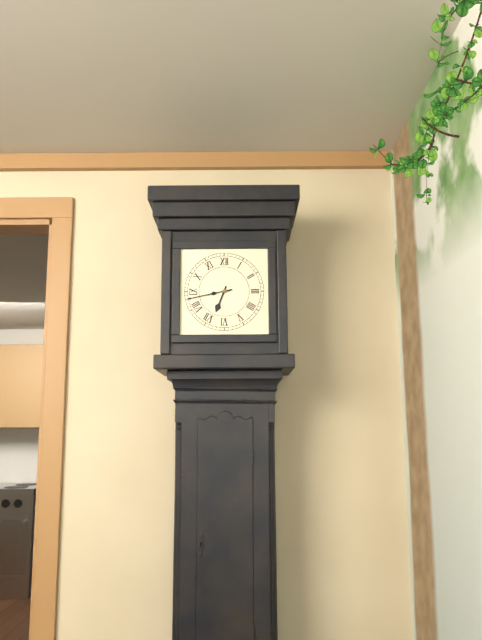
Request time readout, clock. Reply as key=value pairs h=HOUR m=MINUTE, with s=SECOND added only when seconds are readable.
h=6 m=43
